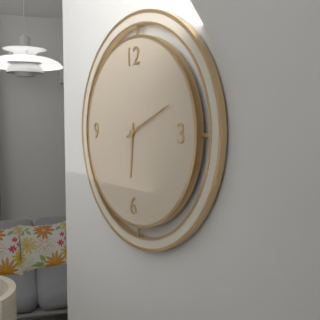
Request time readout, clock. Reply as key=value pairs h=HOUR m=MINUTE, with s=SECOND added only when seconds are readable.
h=6 m=11
